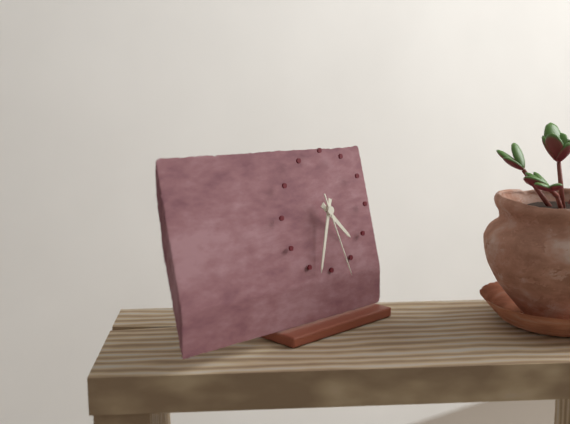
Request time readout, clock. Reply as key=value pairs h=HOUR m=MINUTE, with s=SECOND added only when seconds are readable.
h=4 m=33 s=27
